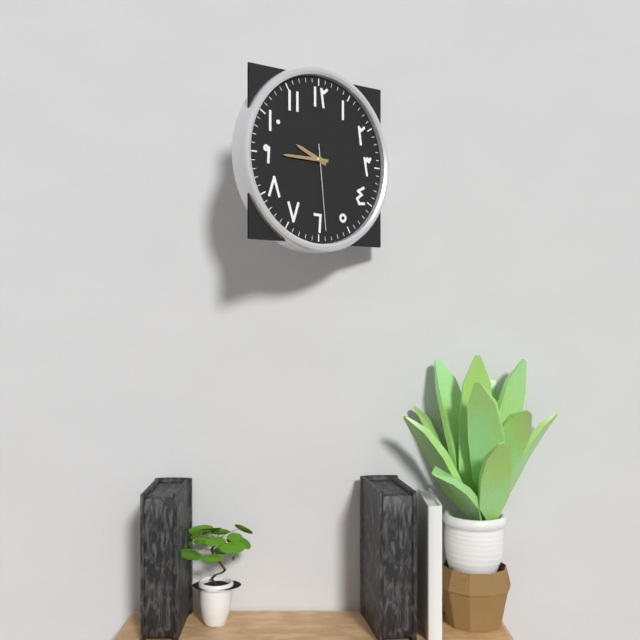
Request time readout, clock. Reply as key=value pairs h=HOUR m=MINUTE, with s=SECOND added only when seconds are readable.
h=9 m=45 s=29
